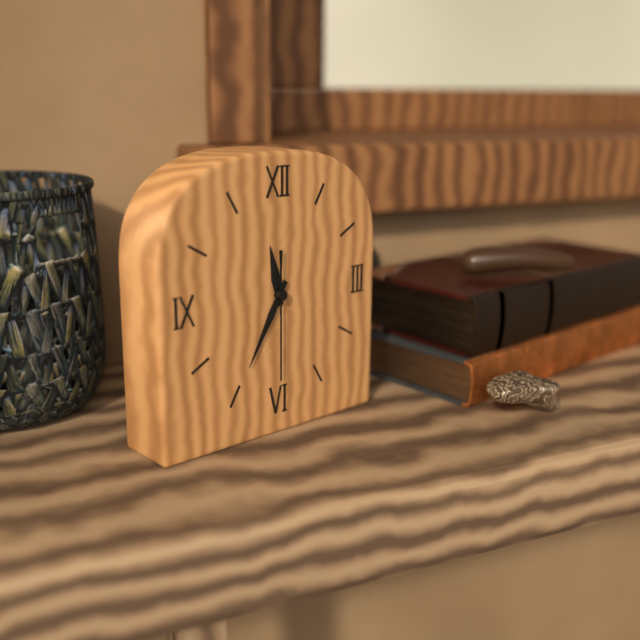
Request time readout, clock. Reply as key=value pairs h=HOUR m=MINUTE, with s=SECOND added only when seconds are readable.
h=11 m=35 s=30
